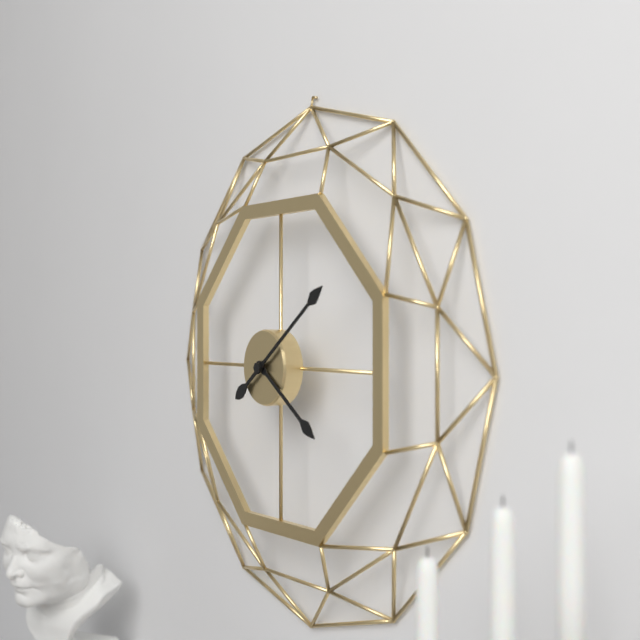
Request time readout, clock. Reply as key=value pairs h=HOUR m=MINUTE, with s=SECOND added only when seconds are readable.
h=4 m=9
